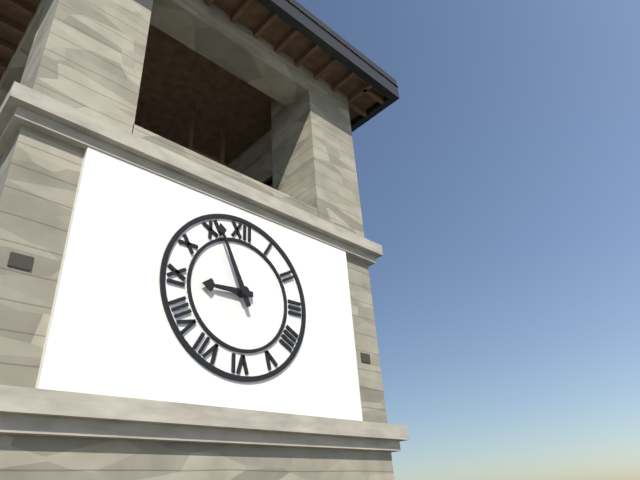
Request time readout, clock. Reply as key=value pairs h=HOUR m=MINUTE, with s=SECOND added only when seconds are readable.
h=8 m=56
